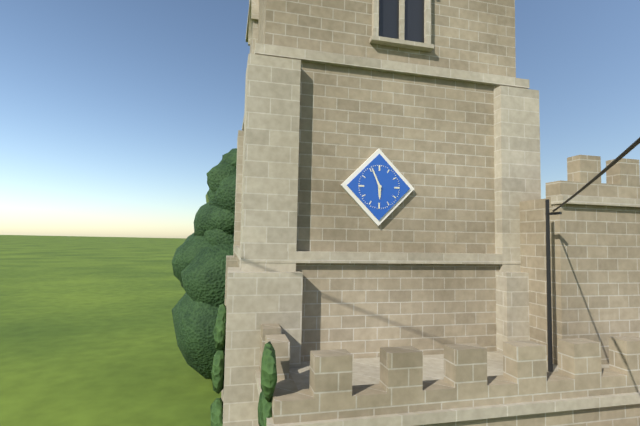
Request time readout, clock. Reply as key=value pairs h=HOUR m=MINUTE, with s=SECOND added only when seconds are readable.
h=5 m=56
